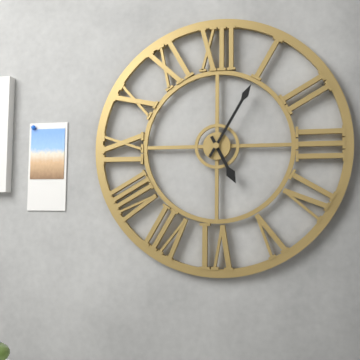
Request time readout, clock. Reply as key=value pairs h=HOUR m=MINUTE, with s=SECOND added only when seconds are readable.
h=5 m=5
